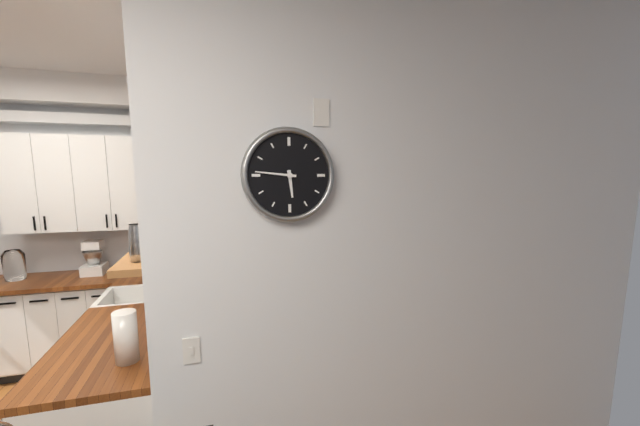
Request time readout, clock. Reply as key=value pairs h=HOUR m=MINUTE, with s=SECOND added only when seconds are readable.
h=5 m=46
